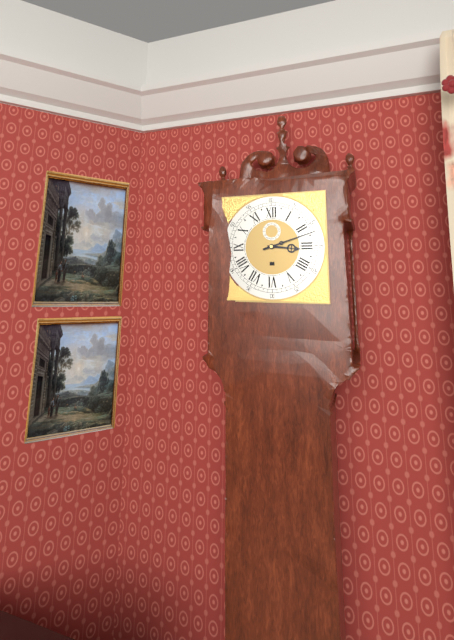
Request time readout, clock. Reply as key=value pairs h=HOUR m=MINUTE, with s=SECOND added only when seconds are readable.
h=3 m=12
